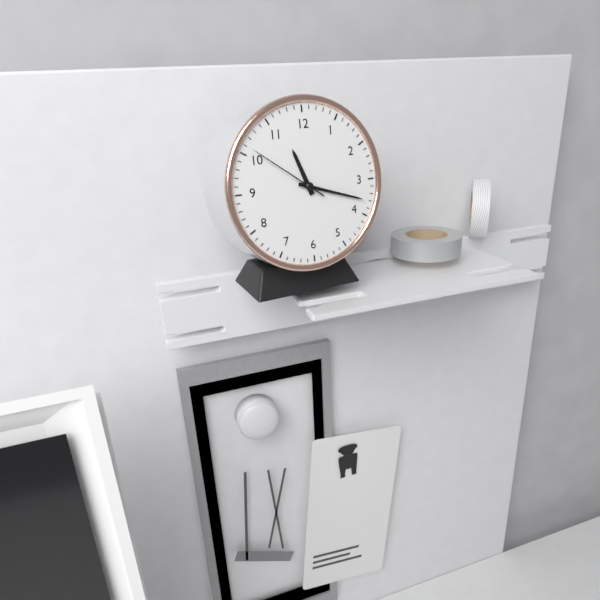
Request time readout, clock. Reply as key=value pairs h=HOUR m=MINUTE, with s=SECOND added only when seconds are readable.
h=11 m=18 s=51
